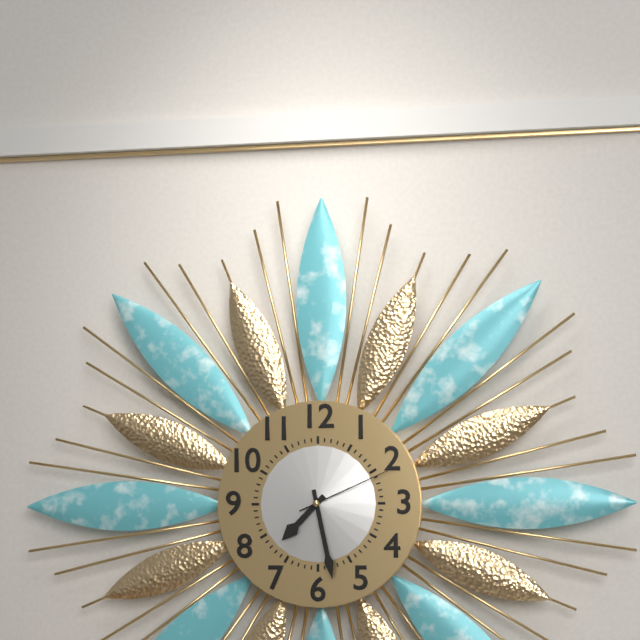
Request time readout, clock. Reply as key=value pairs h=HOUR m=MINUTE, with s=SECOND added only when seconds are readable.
h=7 m=28 s=11
